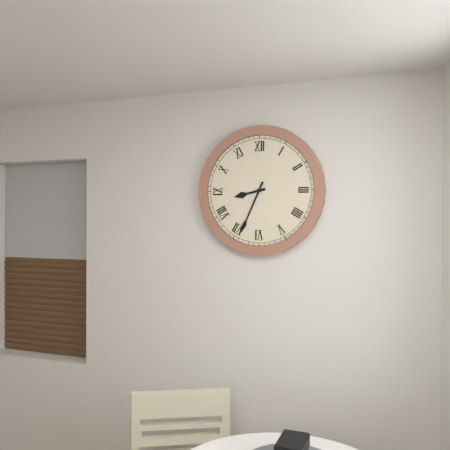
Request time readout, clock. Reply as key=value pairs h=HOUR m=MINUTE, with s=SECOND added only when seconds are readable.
h=8 m=34
